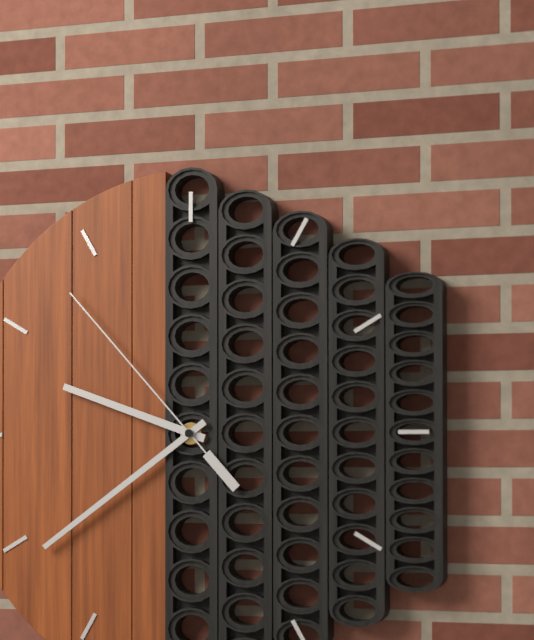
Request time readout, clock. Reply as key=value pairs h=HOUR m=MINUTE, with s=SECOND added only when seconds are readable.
h=9 m=39 s=53
